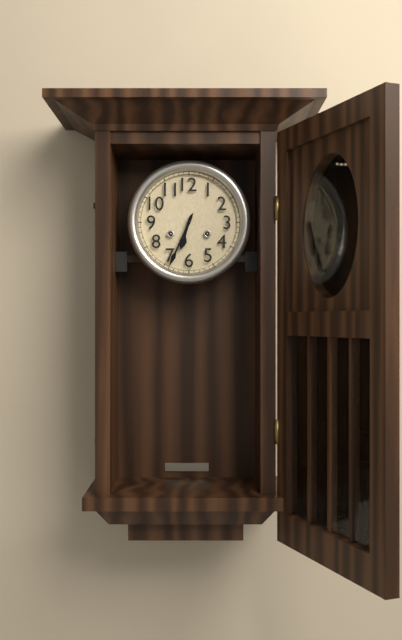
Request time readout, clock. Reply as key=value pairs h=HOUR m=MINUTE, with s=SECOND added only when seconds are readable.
h=6 m=34
